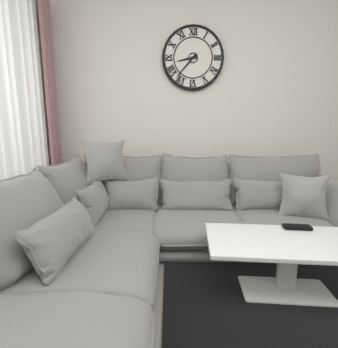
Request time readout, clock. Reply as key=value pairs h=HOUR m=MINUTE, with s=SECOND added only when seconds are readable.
h=8 m=37
